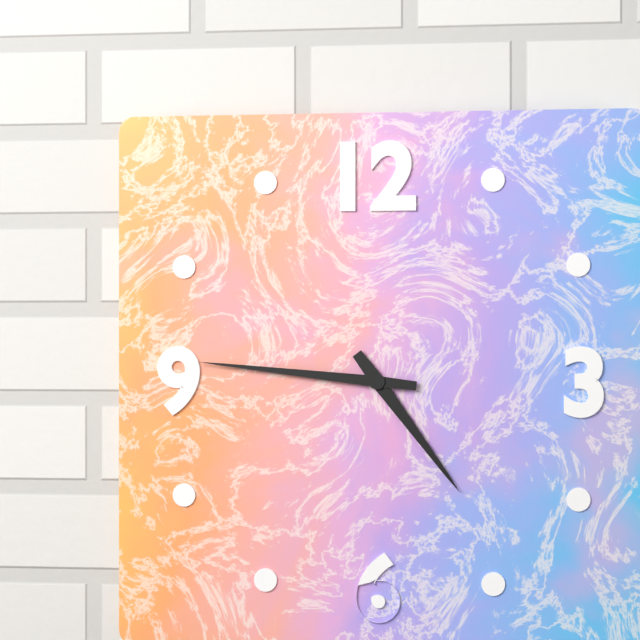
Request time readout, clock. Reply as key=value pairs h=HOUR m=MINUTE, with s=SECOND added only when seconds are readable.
h=4 m=46
